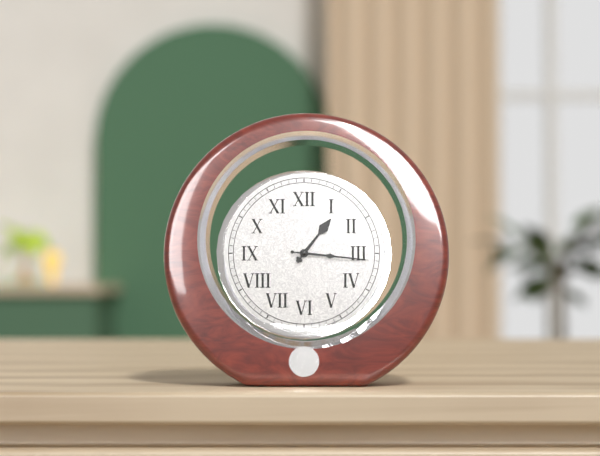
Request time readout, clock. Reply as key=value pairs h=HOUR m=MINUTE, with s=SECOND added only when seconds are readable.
h=1 m=16
